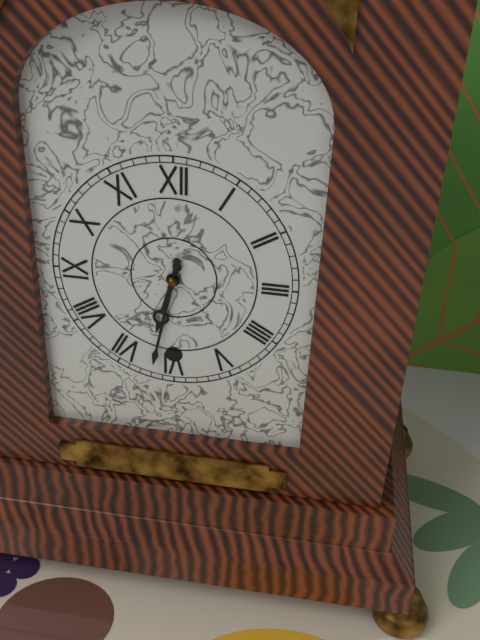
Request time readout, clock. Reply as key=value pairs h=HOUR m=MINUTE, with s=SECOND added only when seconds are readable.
h=6 m=32
